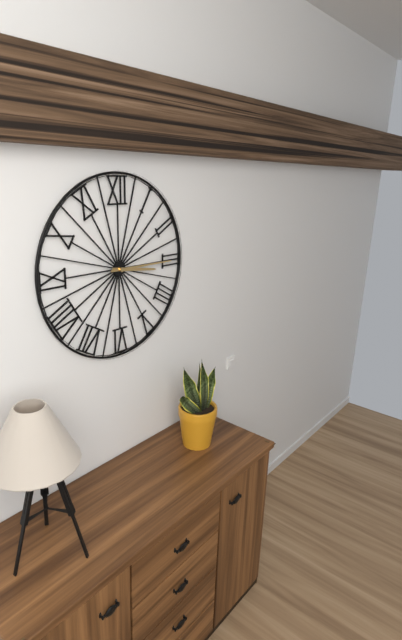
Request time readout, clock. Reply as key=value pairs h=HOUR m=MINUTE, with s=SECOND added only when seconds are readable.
h=3 m=15
